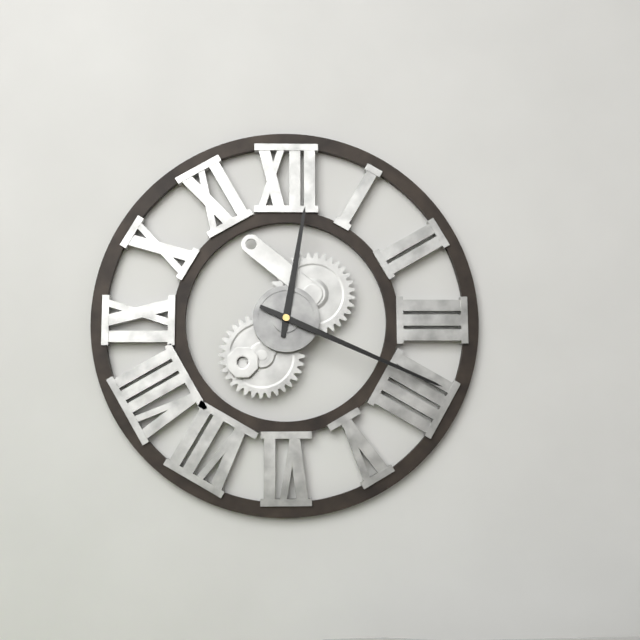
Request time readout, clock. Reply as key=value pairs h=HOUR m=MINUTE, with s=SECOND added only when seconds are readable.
h=12 m=19
